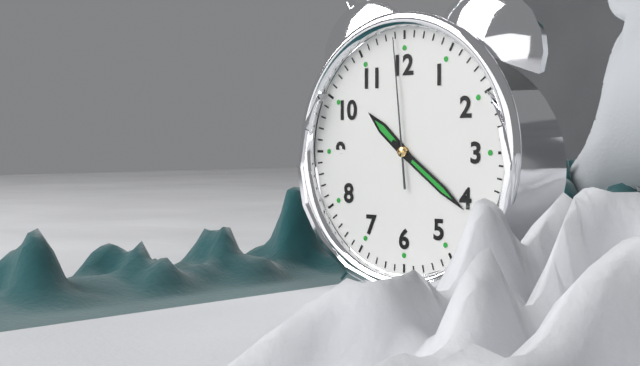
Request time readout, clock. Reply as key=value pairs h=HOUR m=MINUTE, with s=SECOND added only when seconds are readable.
h=10 m=21 s=59
